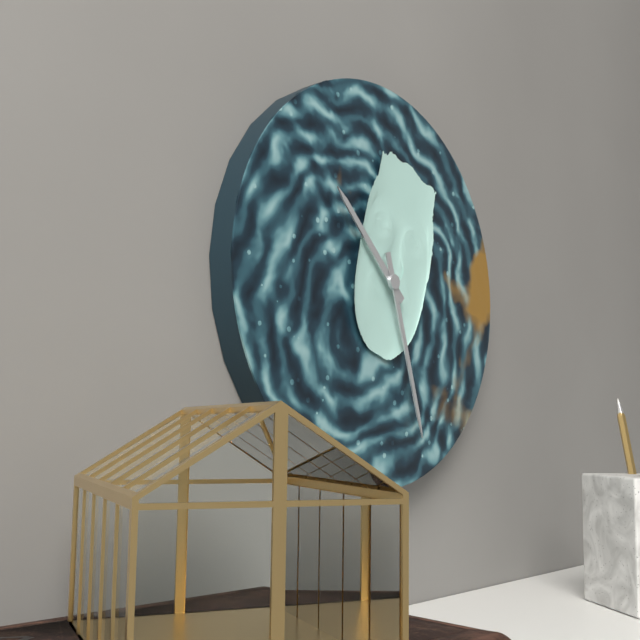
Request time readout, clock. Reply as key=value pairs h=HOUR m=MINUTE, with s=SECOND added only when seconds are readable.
h=10 m=27
